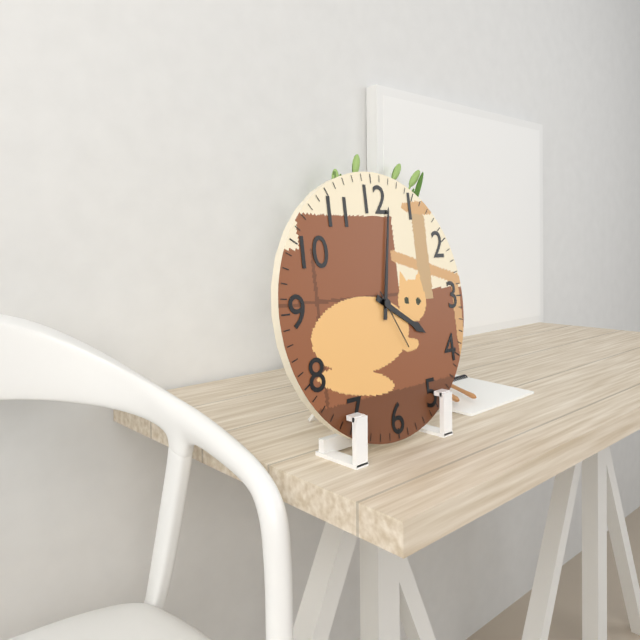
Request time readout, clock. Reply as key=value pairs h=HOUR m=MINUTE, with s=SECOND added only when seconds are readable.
h=4 m=2 s=25
